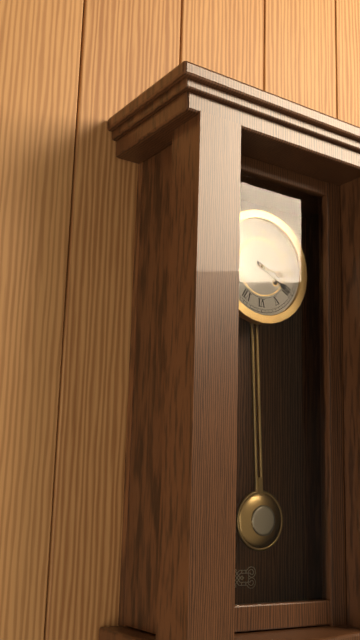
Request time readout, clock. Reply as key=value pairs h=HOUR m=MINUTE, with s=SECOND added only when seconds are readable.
h=3 m=20
